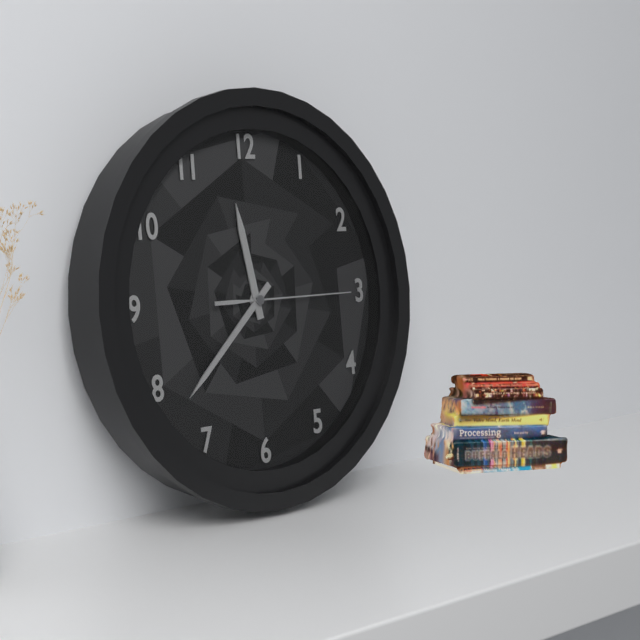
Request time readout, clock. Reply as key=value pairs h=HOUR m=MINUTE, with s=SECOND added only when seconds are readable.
h=11 m=38 s=15
